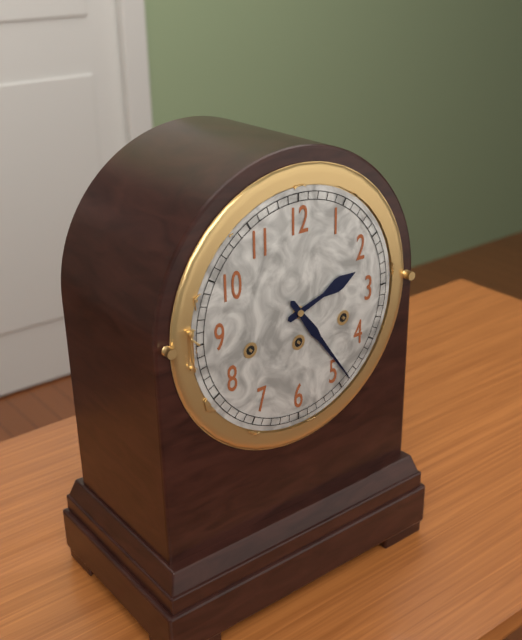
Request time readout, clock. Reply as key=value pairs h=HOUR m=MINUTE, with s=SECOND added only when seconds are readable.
h=2 m=24
